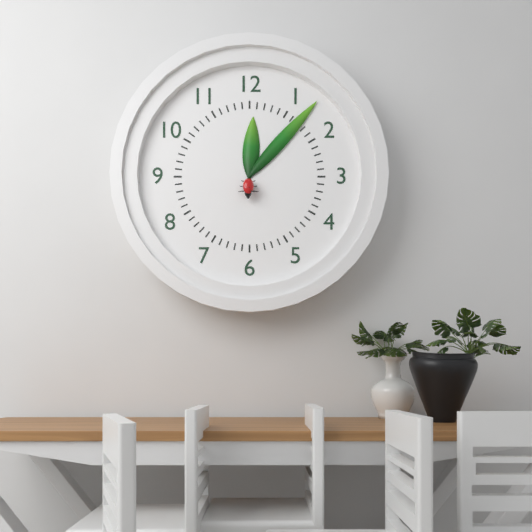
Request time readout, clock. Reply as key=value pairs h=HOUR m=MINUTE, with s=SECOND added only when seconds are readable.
h=12 m=7
